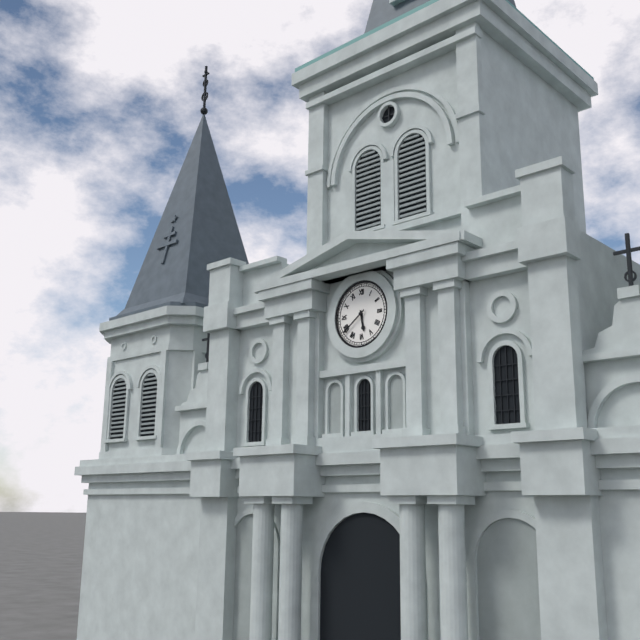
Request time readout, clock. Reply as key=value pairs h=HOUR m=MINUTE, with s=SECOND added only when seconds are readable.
h=5 m=39
